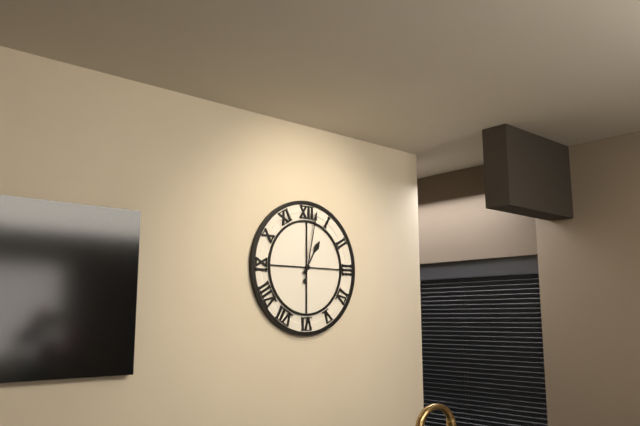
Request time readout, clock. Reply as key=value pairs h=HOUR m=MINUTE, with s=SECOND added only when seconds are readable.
h=1 m=2
